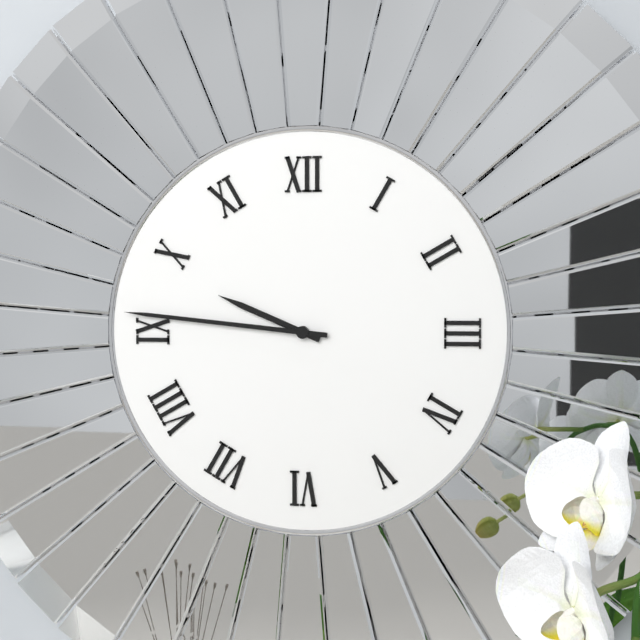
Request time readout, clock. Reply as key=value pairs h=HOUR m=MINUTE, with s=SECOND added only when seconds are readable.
h=9 m=46
